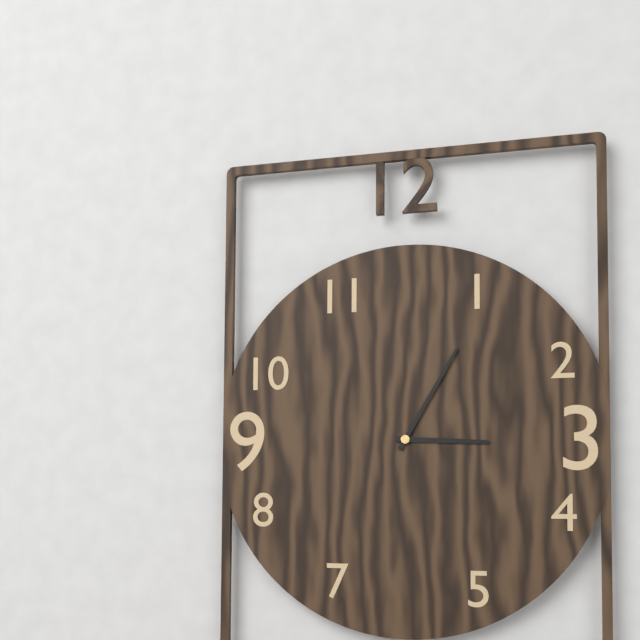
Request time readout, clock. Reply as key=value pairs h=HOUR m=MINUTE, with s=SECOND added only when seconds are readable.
h=3 m=5
